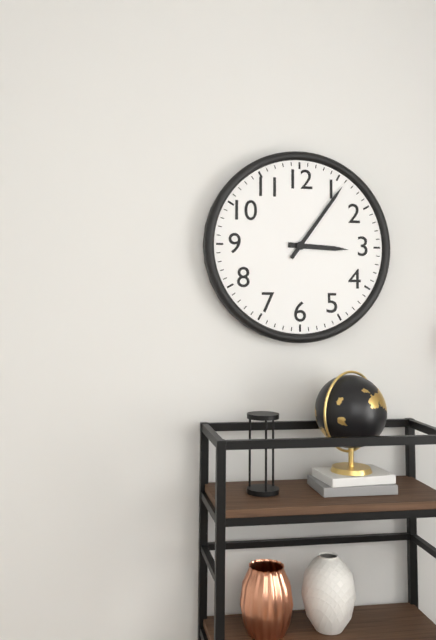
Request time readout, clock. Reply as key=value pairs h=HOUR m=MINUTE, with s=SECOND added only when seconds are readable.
h=3 m=6
